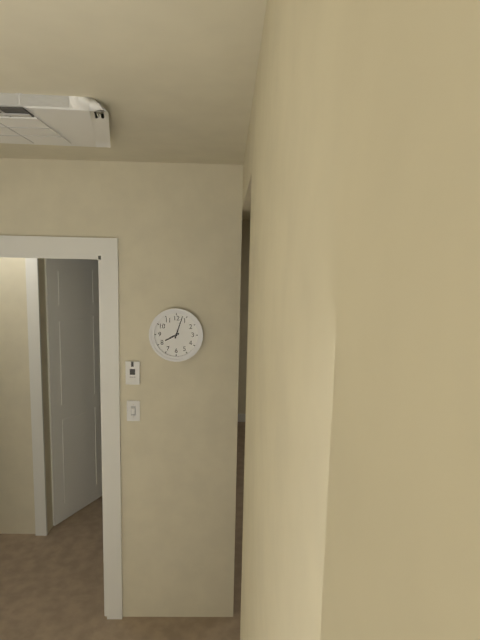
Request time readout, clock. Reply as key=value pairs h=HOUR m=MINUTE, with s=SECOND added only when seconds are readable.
h=8 m=3
